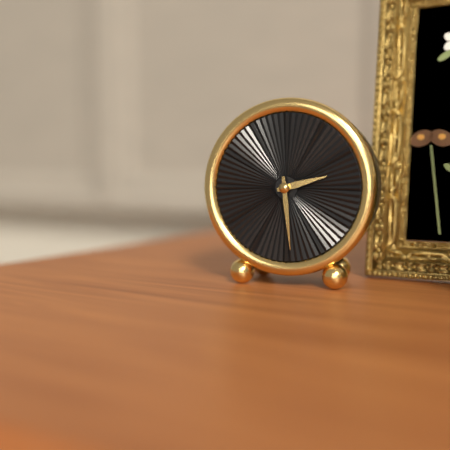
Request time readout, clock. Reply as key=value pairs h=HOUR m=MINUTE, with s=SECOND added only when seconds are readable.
h=2 m=29
